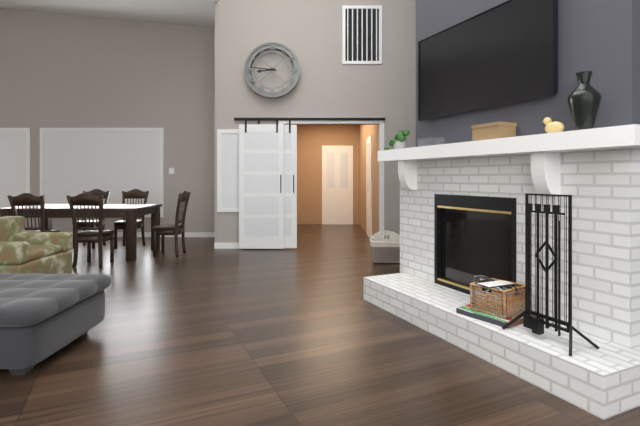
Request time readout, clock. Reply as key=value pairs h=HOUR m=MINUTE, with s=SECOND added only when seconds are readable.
h=8 m=46
